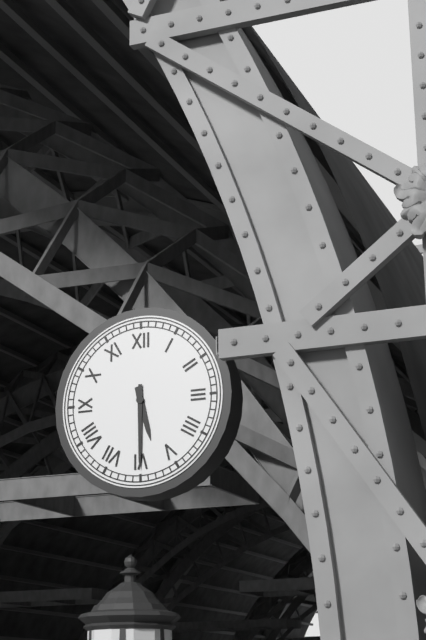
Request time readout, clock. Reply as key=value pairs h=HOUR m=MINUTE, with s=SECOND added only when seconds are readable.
h=5 m=30
